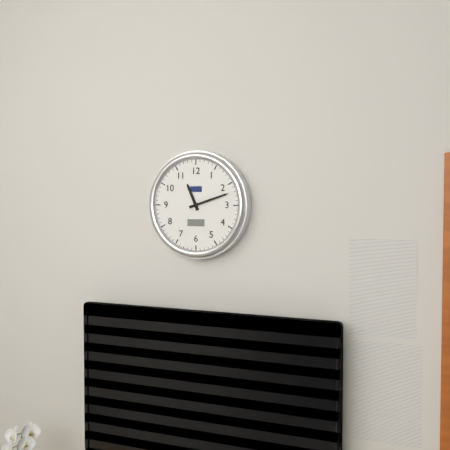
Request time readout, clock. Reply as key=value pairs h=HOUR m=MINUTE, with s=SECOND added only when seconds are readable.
h=11 m=12
